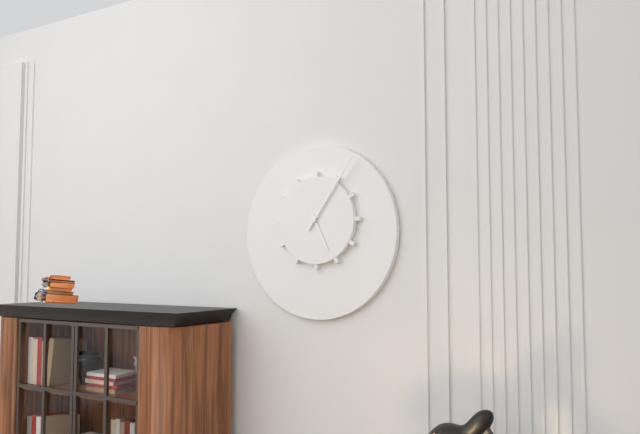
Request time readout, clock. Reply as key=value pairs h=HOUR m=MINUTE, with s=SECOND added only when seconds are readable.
h=5 m=6
